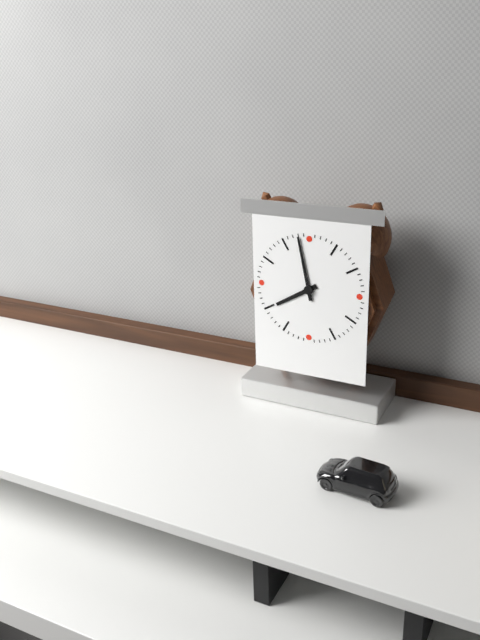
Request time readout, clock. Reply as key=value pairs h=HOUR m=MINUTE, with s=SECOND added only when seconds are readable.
h=7 m=58
